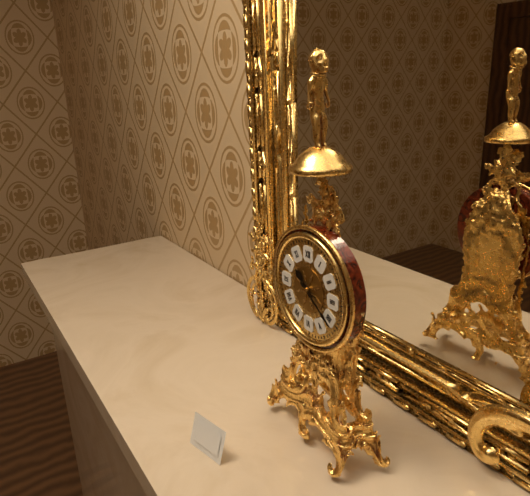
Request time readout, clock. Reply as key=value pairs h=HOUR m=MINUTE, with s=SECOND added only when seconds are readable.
h=10 m=21
